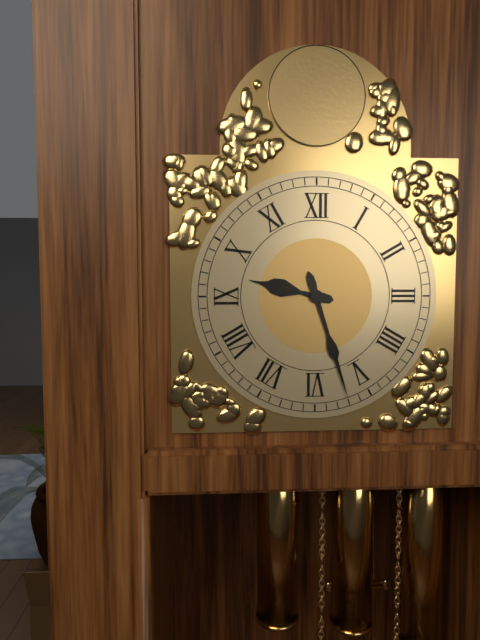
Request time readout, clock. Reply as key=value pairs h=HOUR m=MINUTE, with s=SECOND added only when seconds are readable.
h=9 m=27
